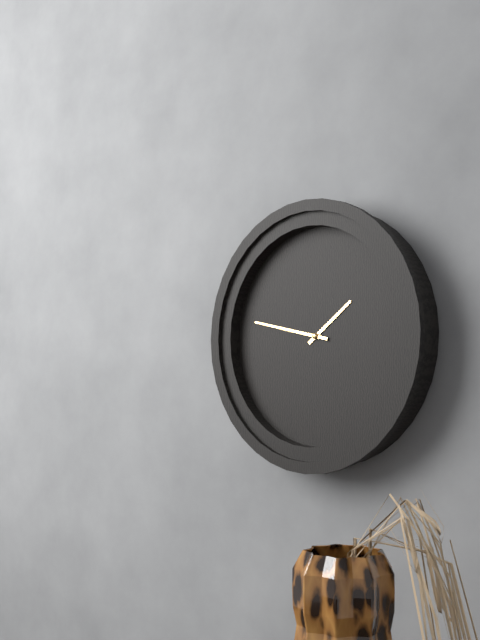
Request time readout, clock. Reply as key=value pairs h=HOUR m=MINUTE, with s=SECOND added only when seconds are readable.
h=1 m=47
